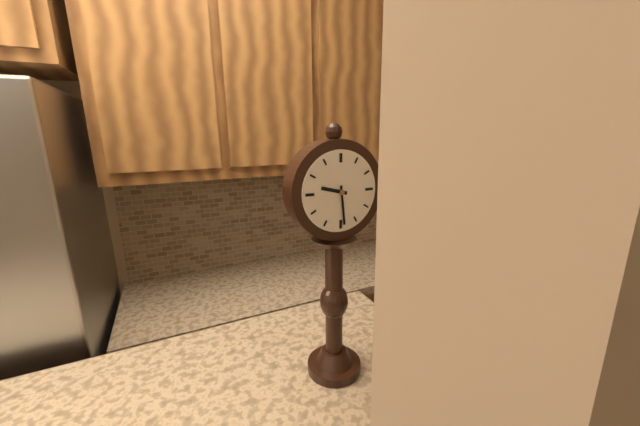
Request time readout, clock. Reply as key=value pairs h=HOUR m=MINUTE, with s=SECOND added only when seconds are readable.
h=9 m=29
